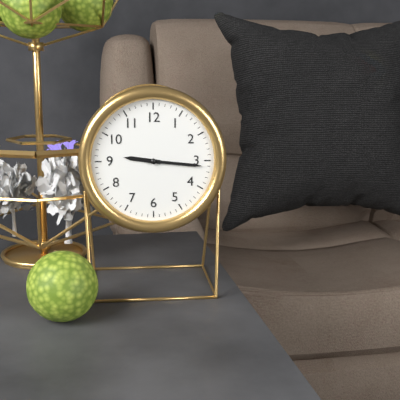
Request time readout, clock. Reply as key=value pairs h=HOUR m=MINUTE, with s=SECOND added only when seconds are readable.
h=9 m=16
